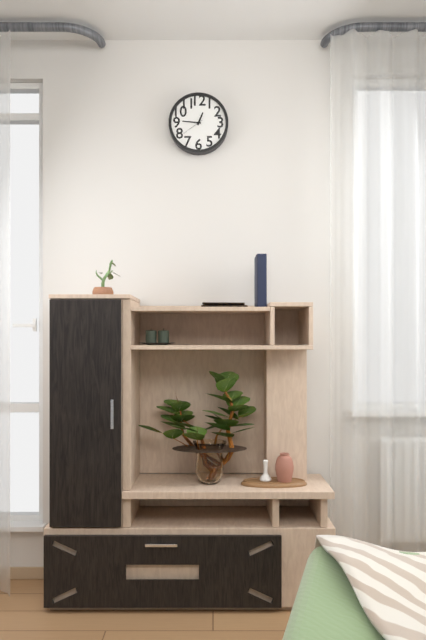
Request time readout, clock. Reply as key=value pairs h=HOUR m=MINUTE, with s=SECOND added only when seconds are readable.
h=12 m=46
